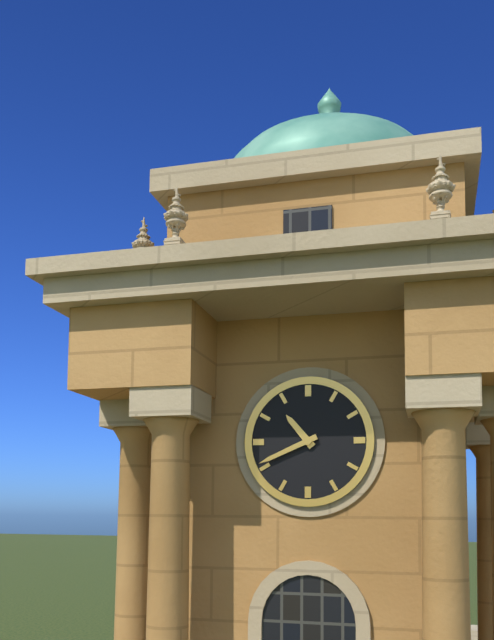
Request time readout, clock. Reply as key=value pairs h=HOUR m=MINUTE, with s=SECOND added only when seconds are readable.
h=10 m=41
